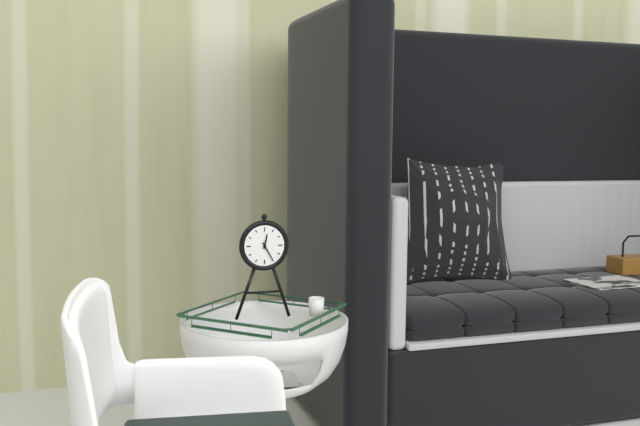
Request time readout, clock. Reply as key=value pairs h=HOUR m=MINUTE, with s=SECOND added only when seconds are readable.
h=12 m=25
